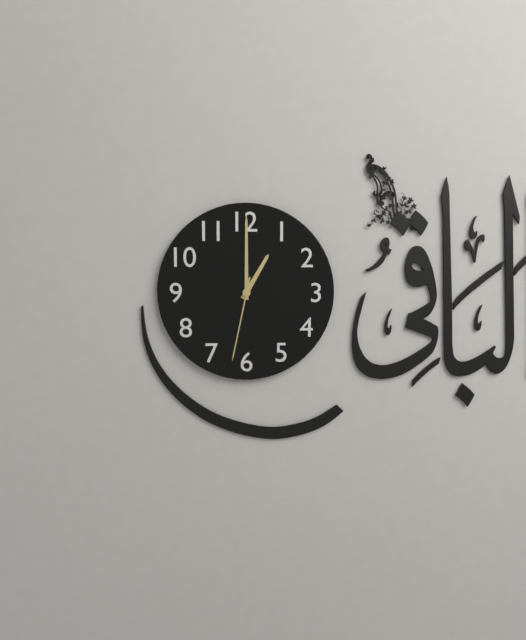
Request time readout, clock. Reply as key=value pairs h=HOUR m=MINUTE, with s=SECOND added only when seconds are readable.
h=1 m=0 s=32
